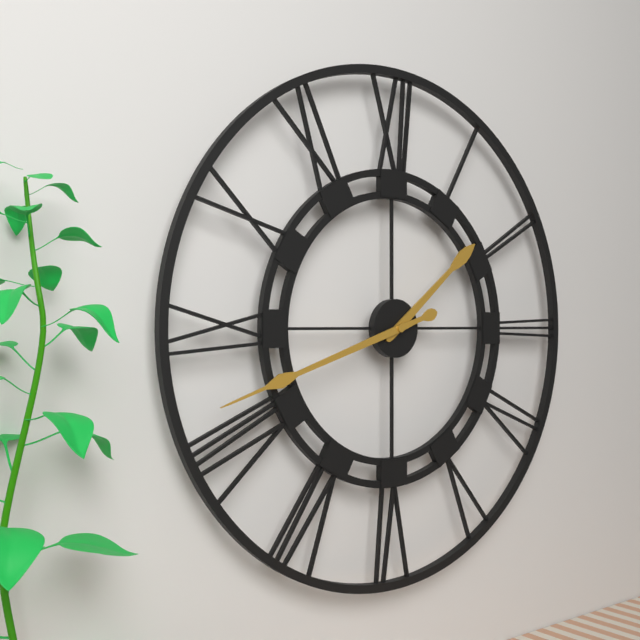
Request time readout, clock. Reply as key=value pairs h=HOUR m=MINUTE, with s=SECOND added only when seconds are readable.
h=1 m=42
